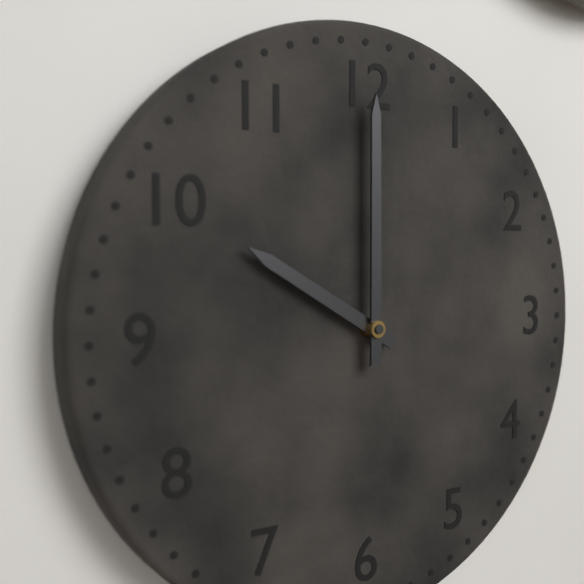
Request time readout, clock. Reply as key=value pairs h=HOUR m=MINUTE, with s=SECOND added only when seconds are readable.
h=10 m=0
